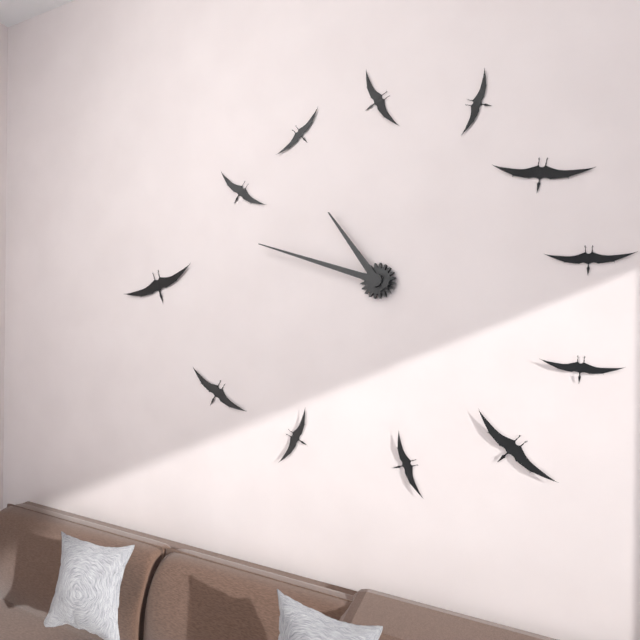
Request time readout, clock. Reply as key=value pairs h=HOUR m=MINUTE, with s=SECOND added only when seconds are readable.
h=10 m=48
